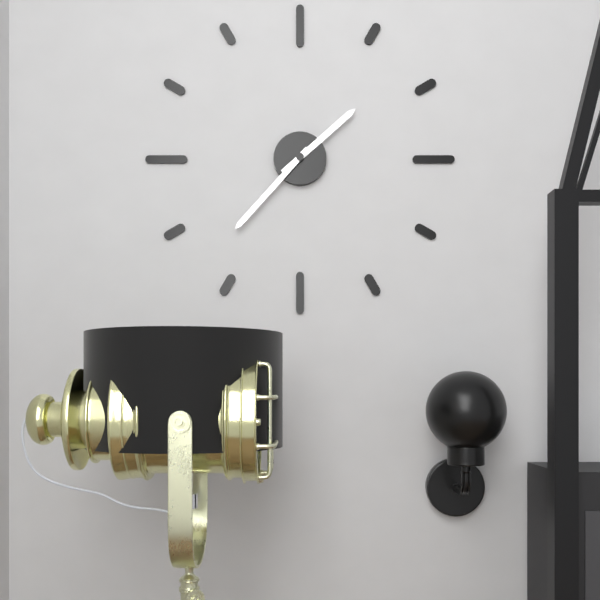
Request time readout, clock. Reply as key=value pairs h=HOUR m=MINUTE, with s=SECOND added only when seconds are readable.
h=1 m=37
